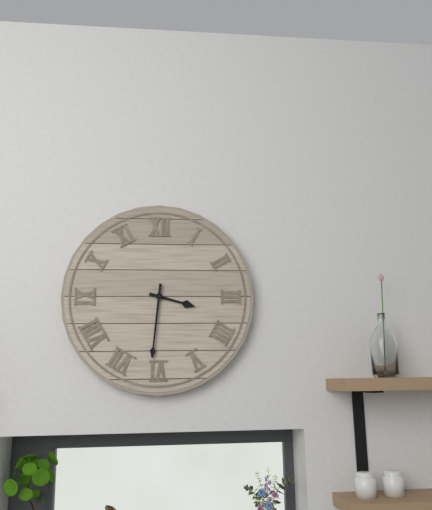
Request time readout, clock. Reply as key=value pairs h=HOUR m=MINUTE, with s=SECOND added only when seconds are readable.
h=3 m=31
